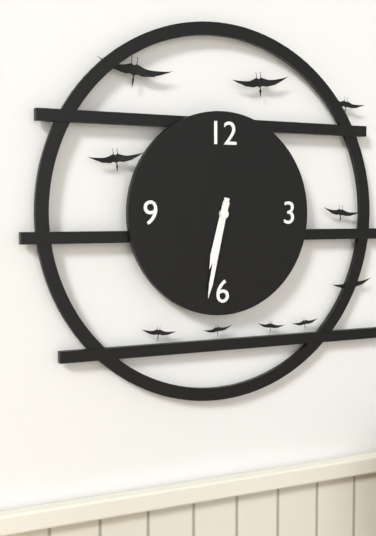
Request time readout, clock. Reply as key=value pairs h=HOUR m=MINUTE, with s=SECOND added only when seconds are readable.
h=6 m=32
